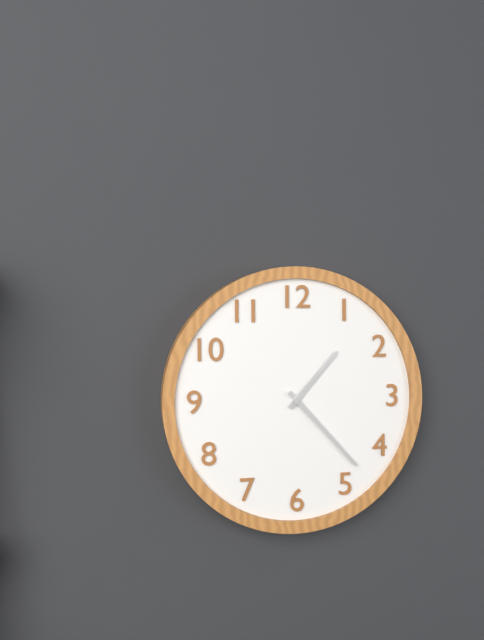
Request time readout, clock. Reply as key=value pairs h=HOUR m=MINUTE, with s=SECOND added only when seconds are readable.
h=1 m=23
